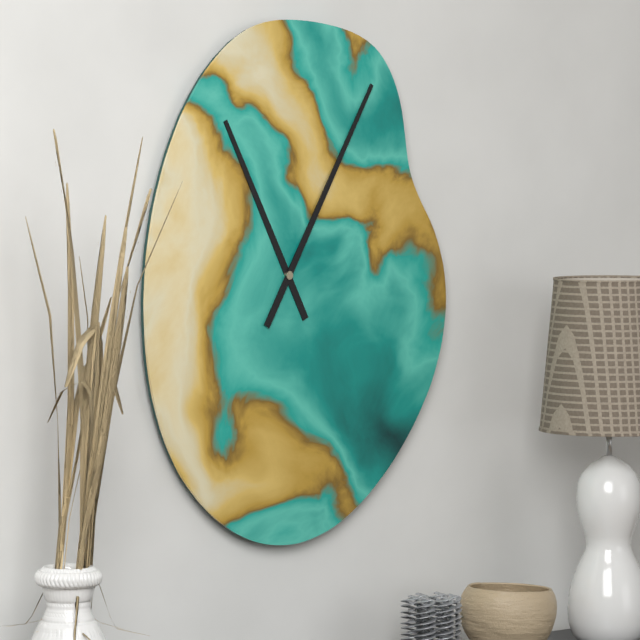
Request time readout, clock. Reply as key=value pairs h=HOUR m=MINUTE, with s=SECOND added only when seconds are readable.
h=11 m=5
